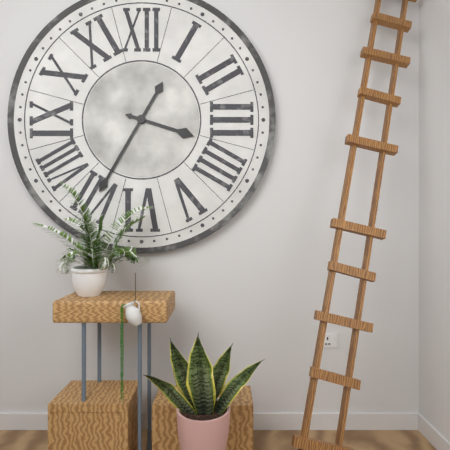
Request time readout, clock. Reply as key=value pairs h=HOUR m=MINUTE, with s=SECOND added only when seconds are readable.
h=3 m=35
